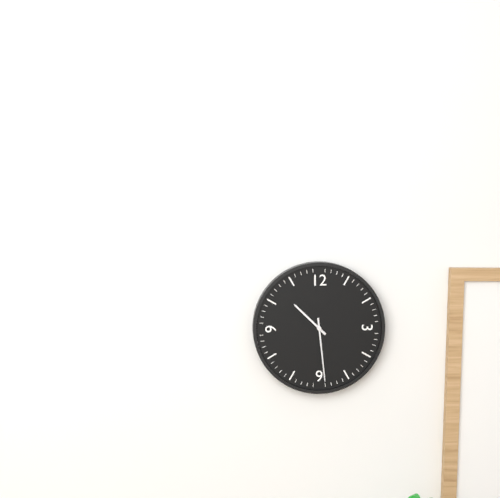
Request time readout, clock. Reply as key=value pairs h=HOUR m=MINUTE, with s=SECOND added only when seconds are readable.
h=10 m=29
